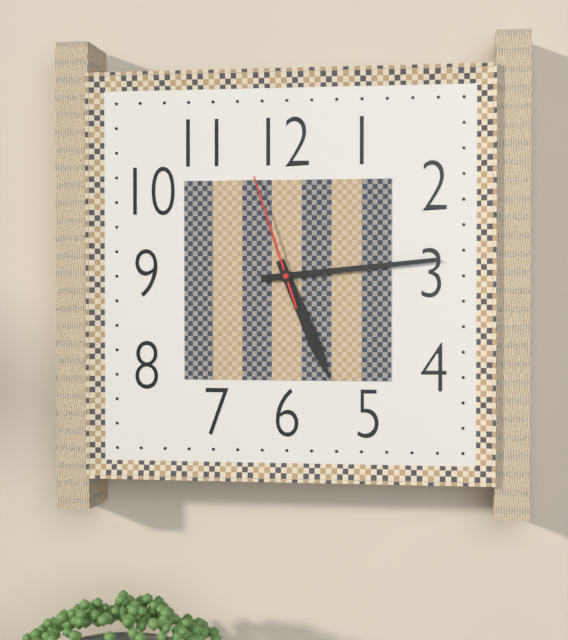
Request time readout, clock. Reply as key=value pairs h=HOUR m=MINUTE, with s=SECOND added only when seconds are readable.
h=5 m=14 s=57
